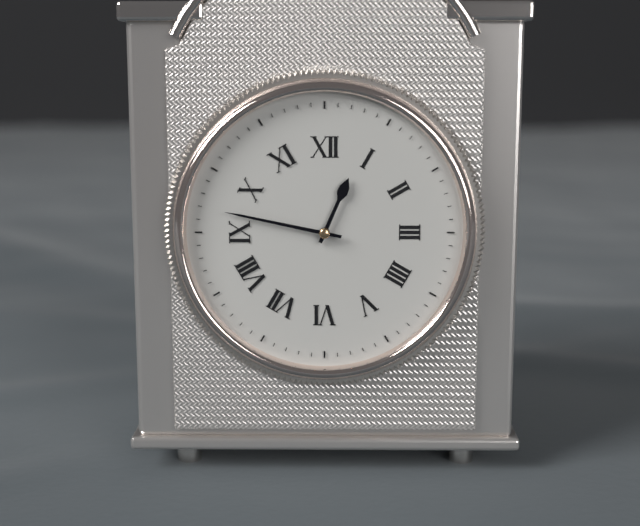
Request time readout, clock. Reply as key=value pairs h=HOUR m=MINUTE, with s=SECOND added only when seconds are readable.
h=12 m=47
